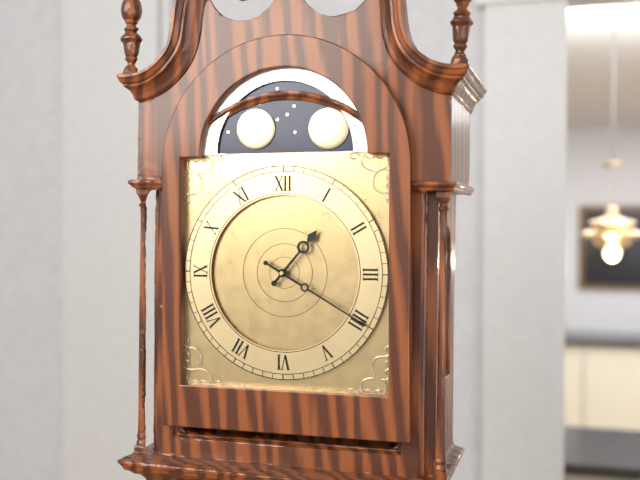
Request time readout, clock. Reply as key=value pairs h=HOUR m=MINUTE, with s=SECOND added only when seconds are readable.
h=1 m=20
